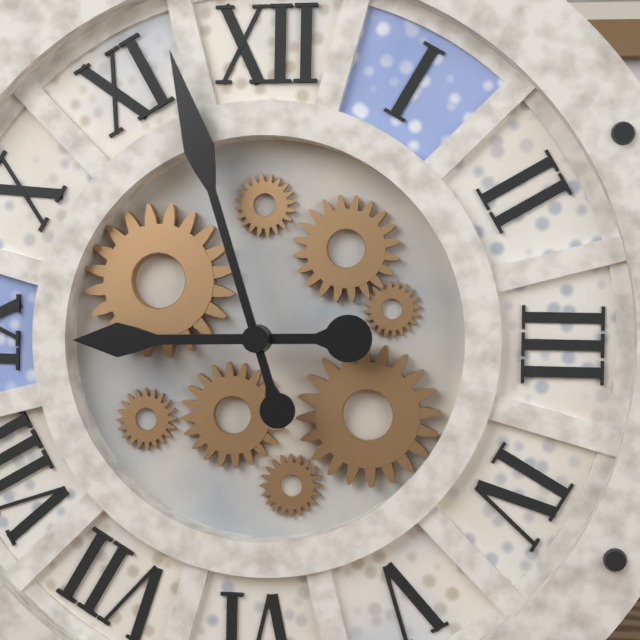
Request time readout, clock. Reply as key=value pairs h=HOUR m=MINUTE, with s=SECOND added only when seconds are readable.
h=8 m=57
